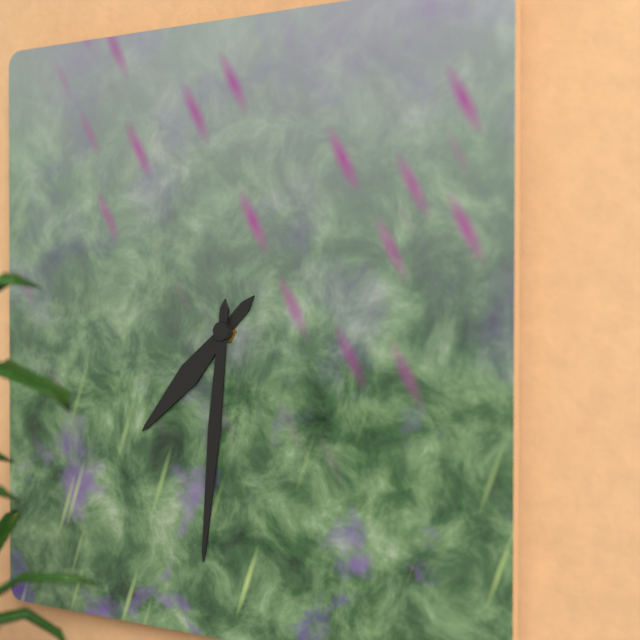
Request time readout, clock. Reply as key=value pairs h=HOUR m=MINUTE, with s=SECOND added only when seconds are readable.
h=7 m=31
